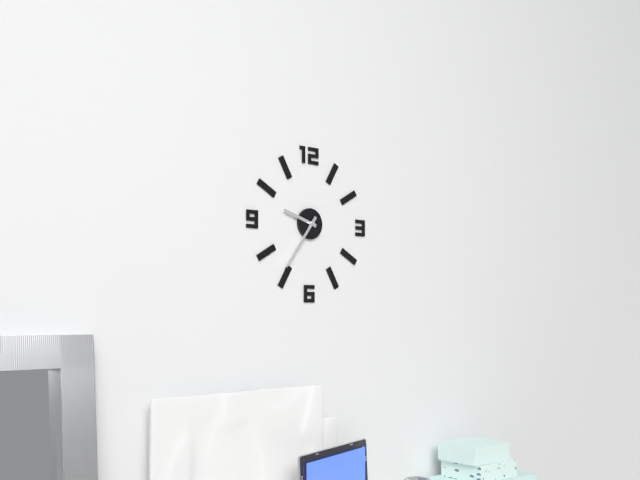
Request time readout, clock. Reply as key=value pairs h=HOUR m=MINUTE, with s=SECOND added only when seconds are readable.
h=9 m=36
